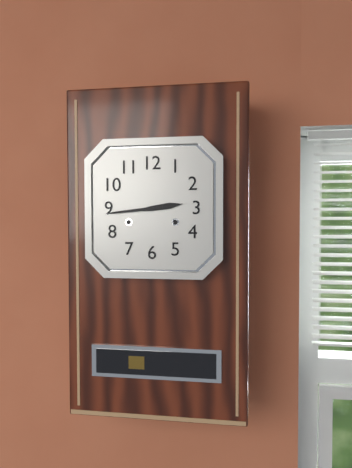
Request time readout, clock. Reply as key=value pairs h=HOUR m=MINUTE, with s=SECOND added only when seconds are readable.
h=2 m=44
